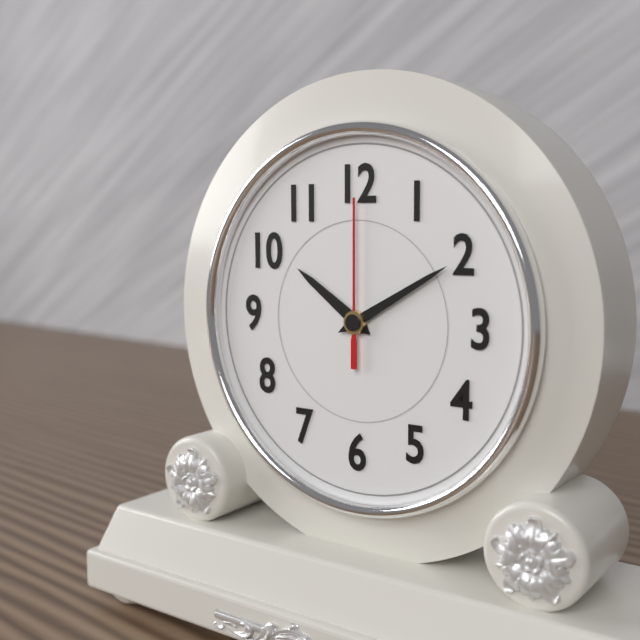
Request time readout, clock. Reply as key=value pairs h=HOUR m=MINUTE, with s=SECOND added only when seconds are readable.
h=10 m=10 s=0
